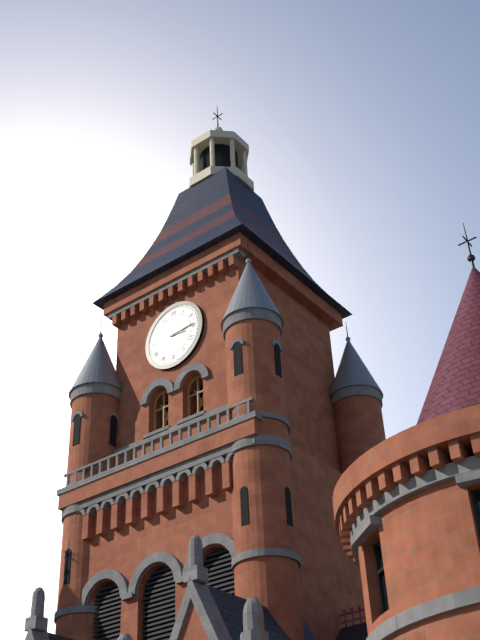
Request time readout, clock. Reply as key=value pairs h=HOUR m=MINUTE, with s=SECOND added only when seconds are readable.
h=3 m=14
